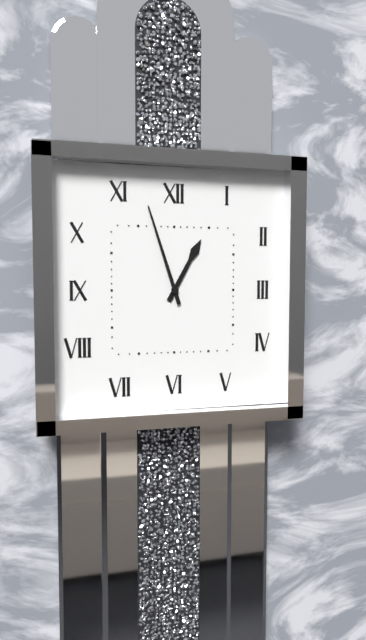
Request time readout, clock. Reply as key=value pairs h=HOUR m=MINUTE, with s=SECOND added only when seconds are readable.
h=12 m=57
